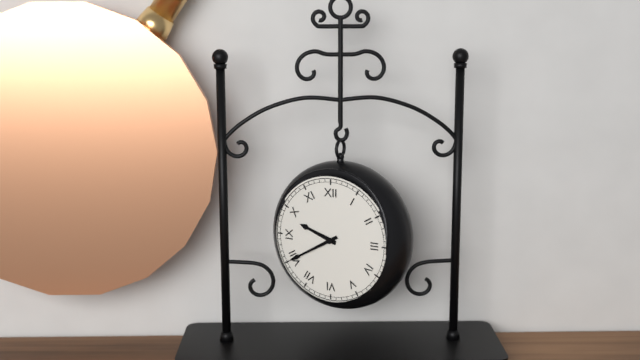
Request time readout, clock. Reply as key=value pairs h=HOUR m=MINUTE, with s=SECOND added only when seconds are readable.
h=9 m=40
